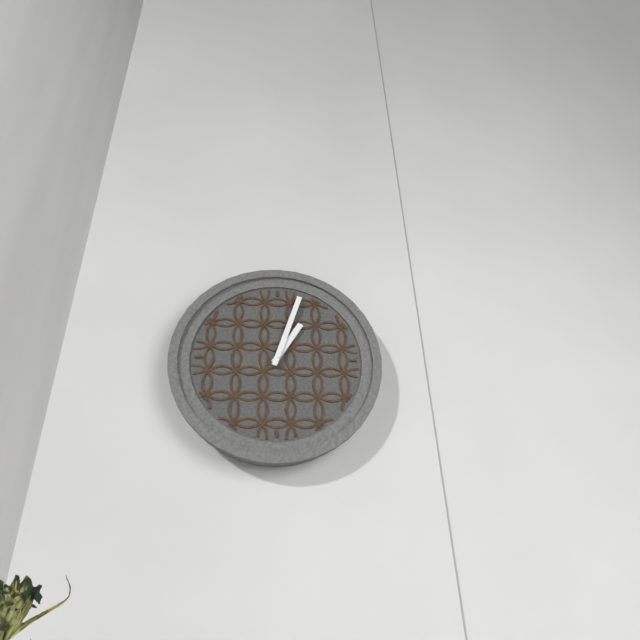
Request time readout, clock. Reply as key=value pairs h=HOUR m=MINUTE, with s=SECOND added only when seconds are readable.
h=1 m=3
